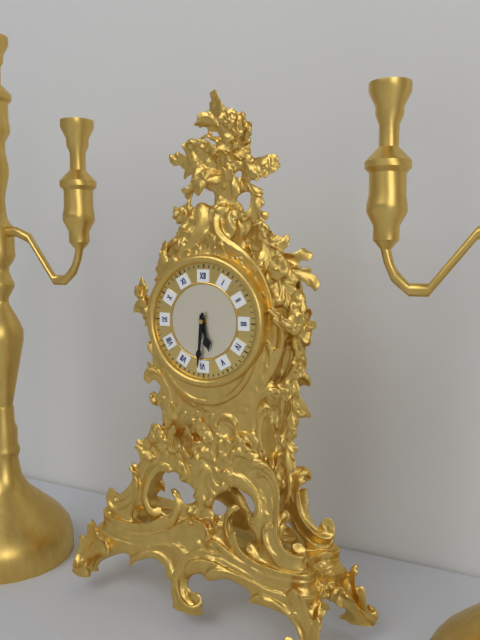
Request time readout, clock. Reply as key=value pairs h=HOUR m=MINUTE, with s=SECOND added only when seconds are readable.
h=5 m=31
